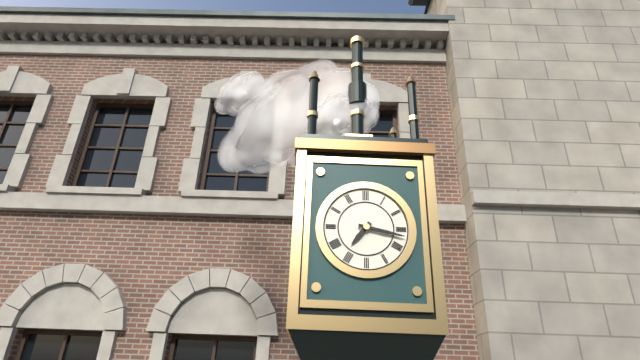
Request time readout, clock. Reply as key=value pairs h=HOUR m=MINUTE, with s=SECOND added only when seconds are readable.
h=7 m=17
